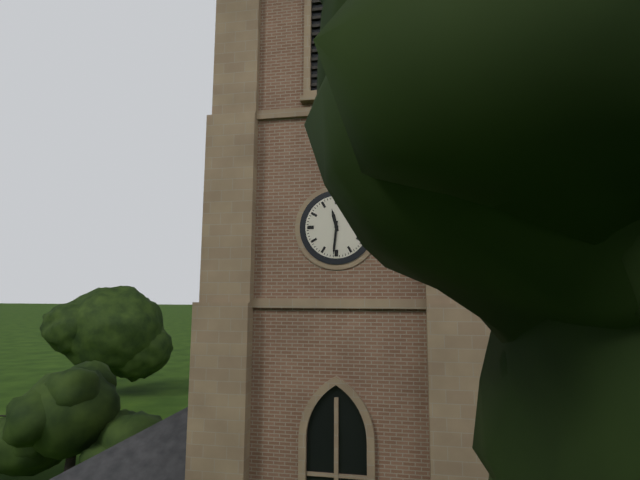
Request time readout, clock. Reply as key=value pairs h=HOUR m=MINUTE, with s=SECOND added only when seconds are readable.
h=11 m=31
